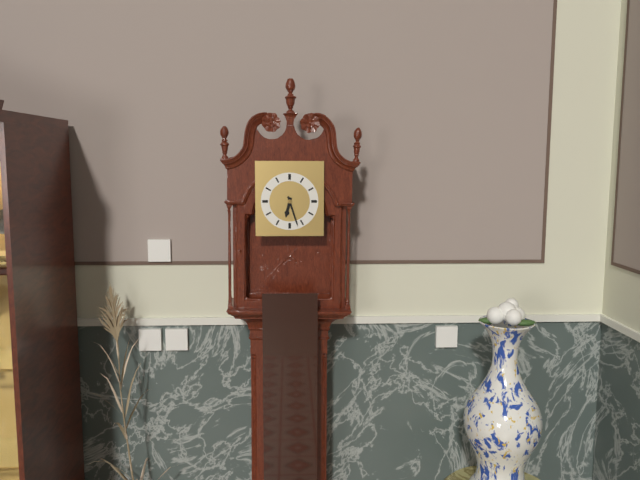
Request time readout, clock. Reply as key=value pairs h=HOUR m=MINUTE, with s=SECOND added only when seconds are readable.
h=6 m=27
